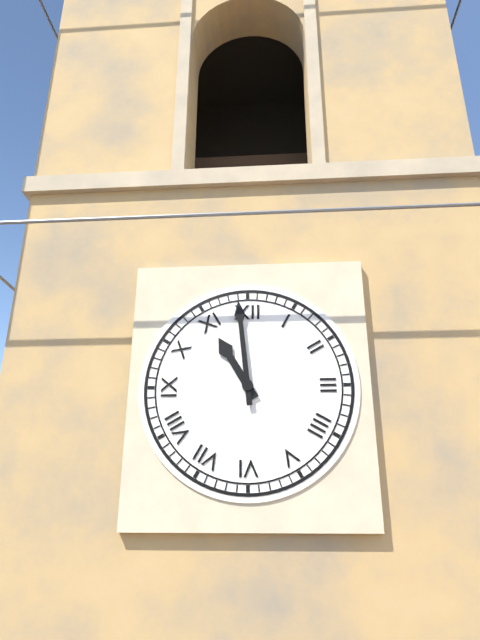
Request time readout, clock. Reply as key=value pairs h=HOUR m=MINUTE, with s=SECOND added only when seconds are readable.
h=10 m=59
